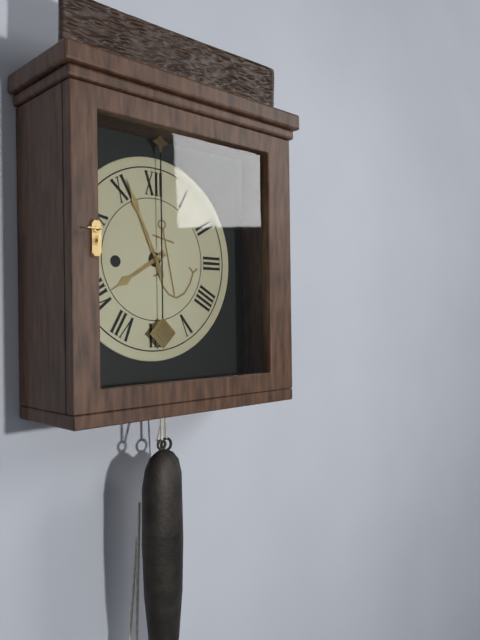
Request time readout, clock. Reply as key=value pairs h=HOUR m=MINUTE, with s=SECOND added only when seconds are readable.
h=7 m=56
